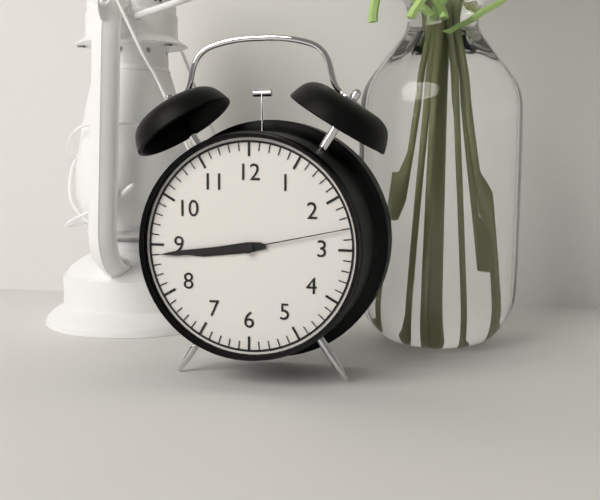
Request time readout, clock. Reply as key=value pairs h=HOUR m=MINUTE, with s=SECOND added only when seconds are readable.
h=8 m=44 s=13
